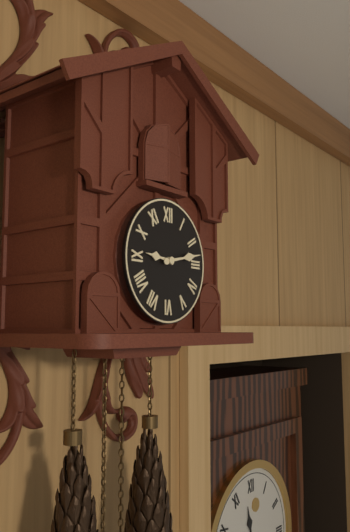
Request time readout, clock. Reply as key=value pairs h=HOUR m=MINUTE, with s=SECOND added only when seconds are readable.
h=9 m=13
